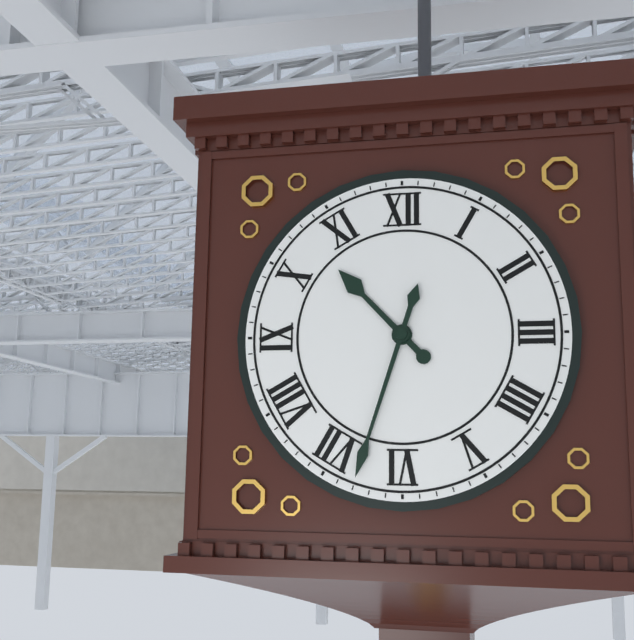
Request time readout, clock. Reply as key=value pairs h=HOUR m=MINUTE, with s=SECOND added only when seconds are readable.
h=10 m=33
